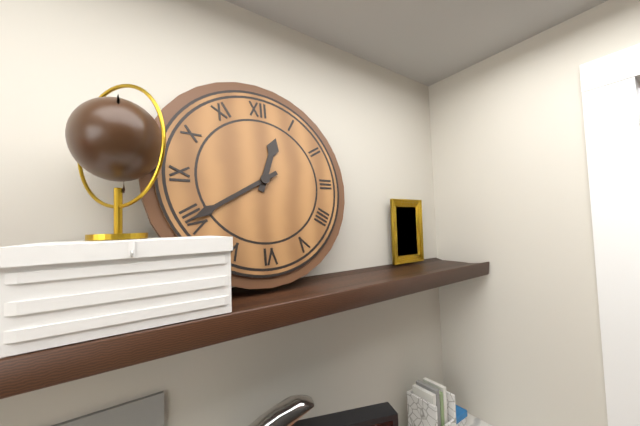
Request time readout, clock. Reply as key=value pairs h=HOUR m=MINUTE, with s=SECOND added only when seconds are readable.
h=12 m=40
